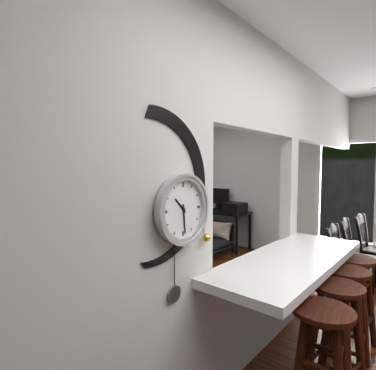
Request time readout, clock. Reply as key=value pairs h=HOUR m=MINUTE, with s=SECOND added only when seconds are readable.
h=10 m=29
